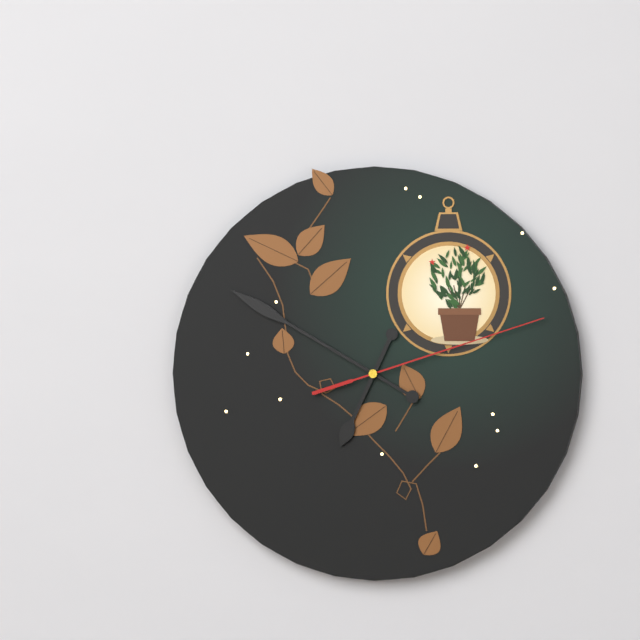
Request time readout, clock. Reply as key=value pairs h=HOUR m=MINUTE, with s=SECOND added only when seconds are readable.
h=6 m=50 s=12
